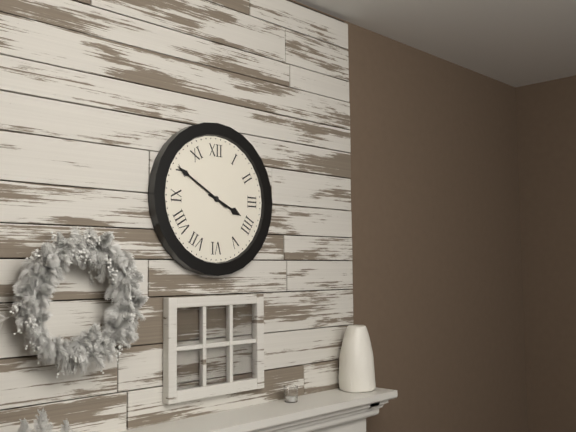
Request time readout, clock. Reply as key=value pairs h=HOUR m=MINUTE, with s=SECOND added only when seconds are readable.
h=3 m=50
